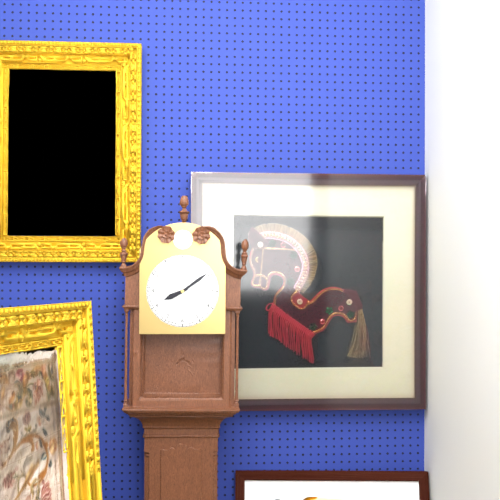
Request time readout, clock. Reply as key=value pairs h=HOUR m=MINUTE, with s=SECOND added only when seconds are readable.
h=8 m=9
